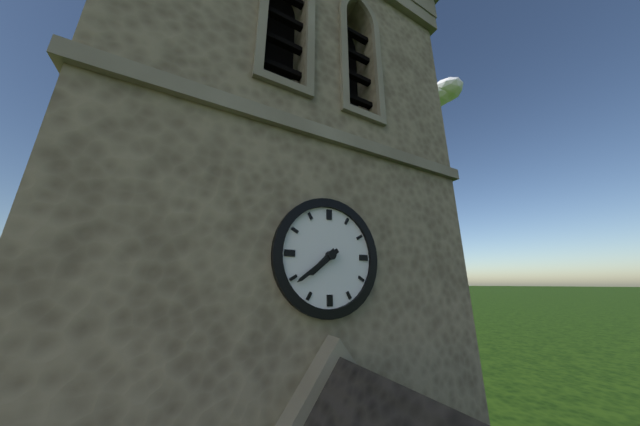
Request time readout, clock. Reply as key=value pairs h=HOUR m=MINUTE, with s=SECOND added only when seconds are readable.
h=7 m=39
